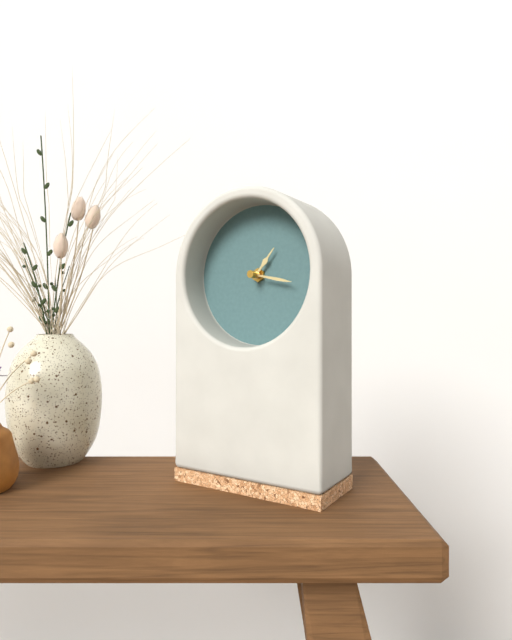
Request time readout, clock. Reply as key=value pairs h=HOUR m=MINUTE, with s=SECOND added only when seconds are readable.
h=1 m=17
